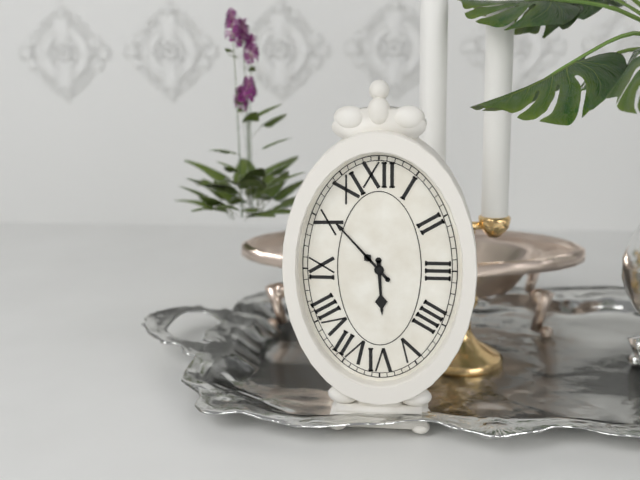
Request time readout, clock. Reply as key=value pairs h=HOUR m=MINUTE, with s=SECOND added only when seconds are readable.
h=5 m=53
